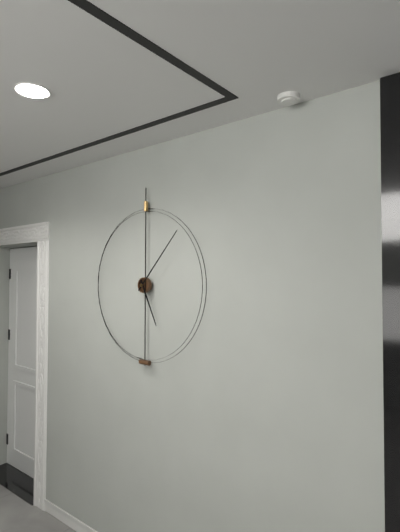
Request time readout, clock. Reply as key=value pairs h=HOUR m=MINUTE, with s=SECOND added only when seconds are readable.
h=5 m=7
